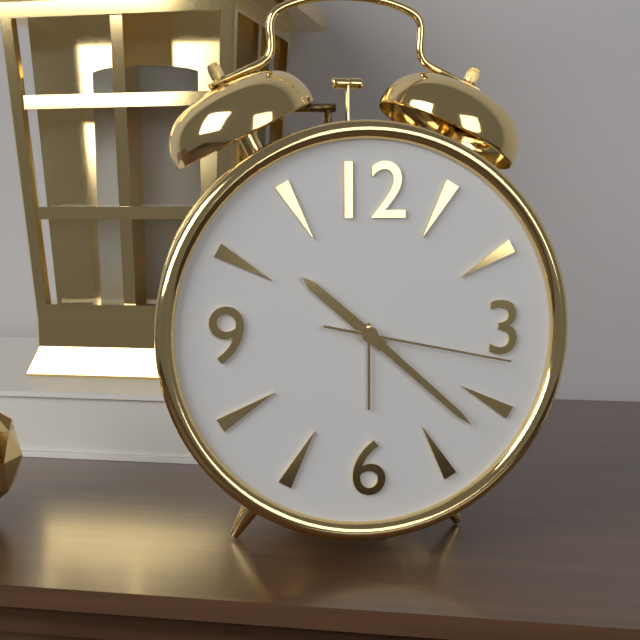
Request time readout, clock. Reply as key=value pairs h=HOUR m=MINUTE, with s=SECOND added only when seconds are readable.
h=10 m=22 s=17
